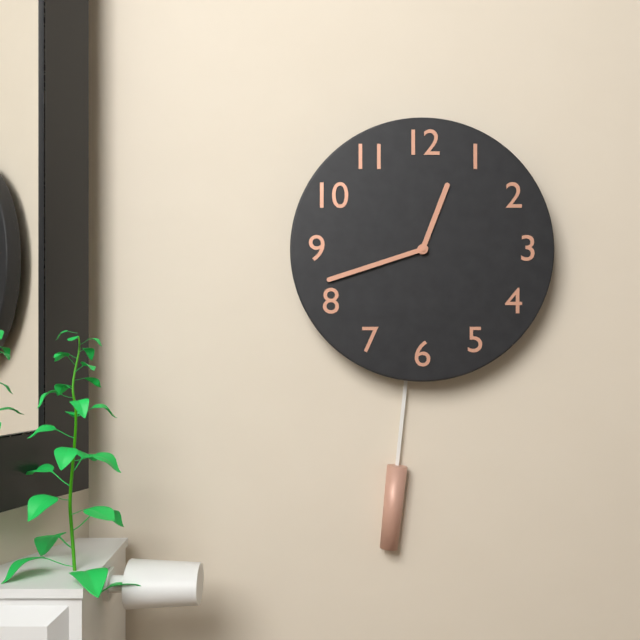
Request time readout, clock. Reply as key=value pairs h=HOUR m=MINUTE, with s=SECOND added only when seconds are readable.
h=12 m=42
